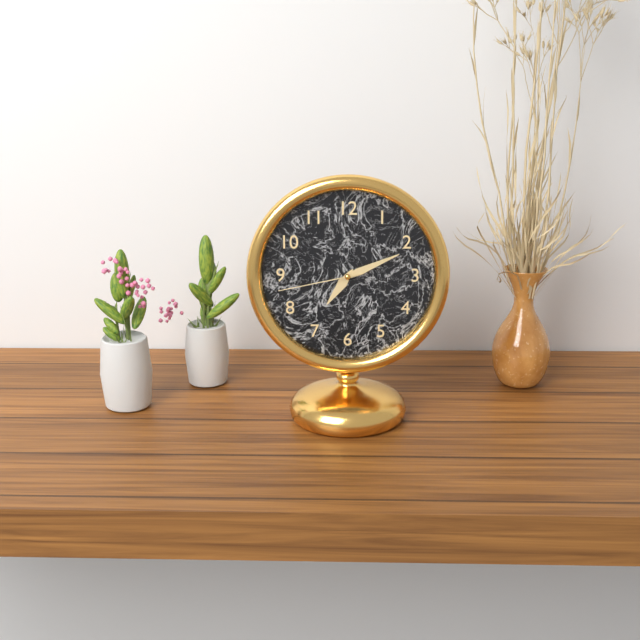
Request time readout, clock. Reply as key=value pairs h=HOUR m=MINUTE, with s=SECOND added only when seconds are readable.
h=7 m=11 s=43
